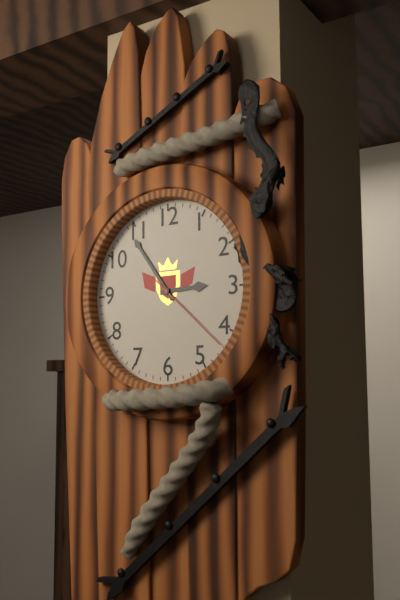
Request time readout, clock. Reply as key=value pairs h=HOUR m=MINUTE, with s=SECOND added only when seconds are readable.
h=2 m=54 s=22
